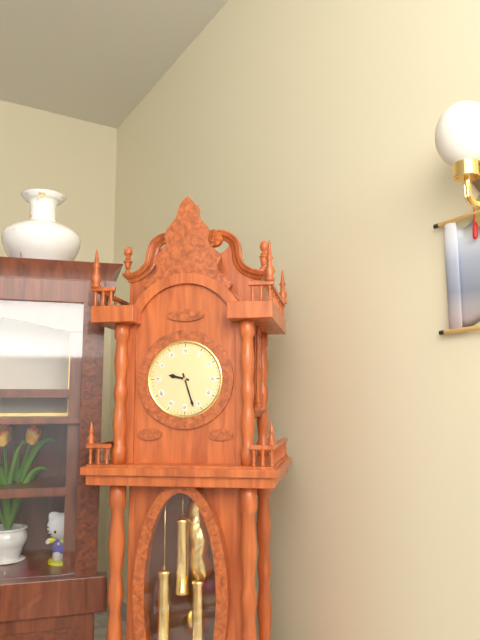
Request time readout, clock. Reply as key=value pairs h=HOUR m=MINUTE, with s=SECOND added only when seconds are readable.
h=9 m=27
